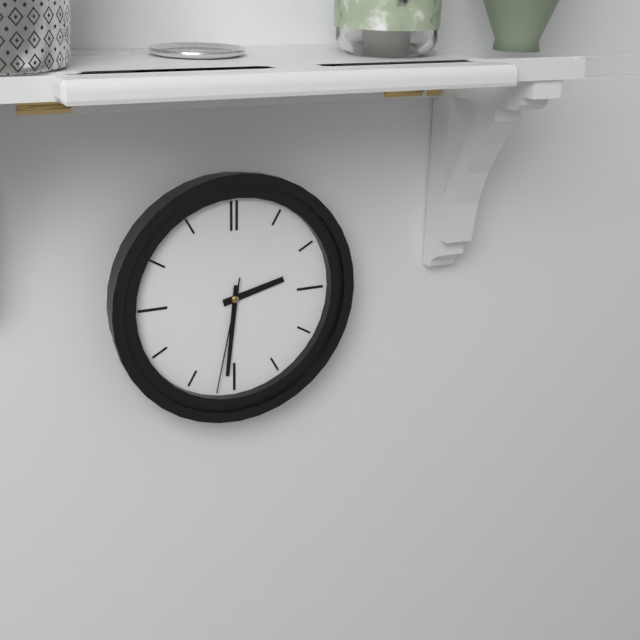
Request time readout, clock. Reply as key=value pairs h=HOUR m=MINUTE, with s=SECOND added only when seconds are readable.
h=2 m=31 s=32
